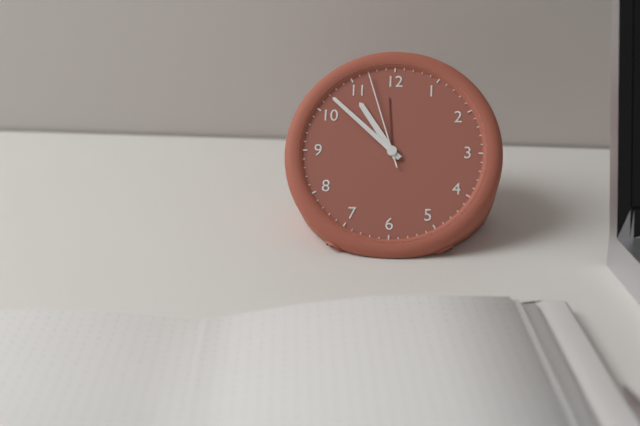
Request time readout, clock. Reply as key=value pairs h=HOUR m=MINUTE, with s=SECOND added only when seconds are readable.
h=10 m=52 s=57
